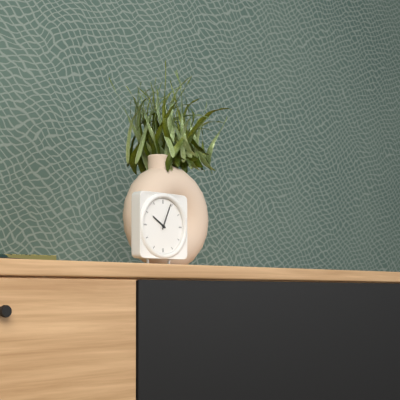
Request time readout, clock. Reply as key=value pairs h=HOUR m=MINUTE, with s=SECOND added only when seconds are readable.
h=10 m=4
